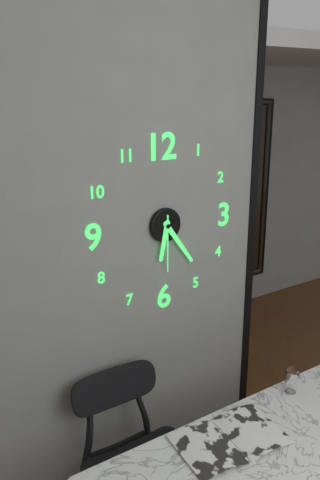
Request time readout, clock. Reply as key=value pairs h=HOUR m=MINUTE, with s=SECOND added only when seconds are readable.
h=6 m=24 s=30
